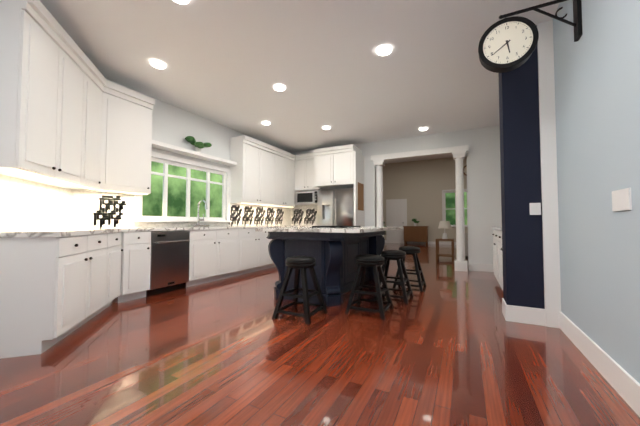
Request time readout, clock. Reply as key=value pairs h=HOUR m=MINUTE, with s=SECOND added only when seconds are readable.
h=5 m=39
